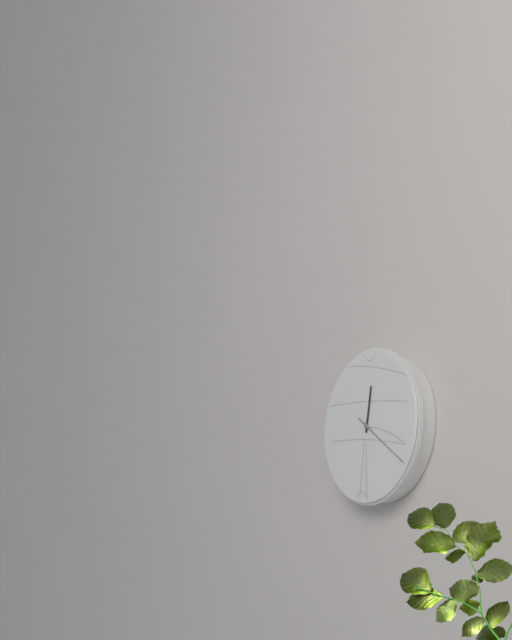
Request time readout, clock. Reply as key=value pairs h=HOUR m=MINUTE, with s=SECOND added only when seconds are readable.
h=12 m=21
